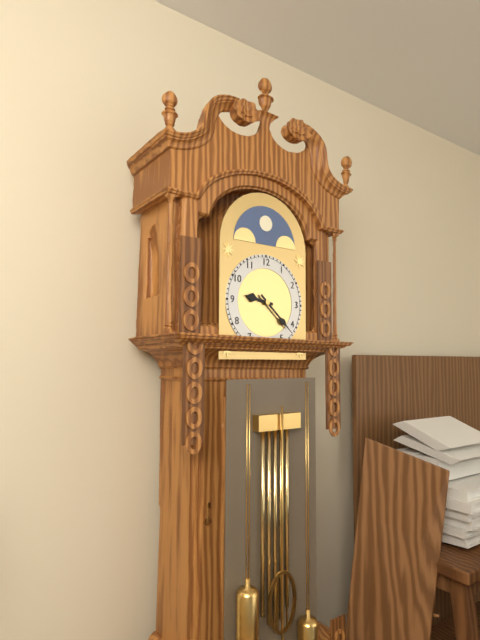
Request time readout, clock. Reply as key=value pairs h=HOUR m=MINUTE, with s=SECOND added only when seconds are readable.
h=9 m=22
